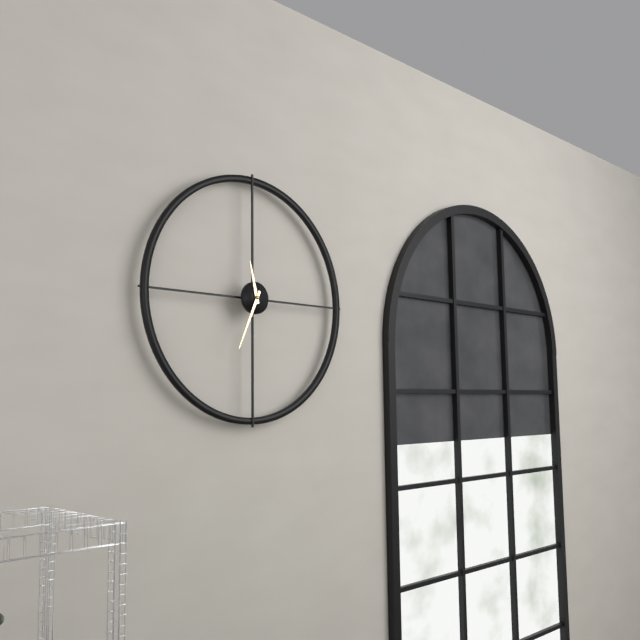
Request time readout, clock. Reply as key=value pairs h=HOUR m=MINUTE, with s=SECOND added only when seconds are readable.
h=11 m=34
